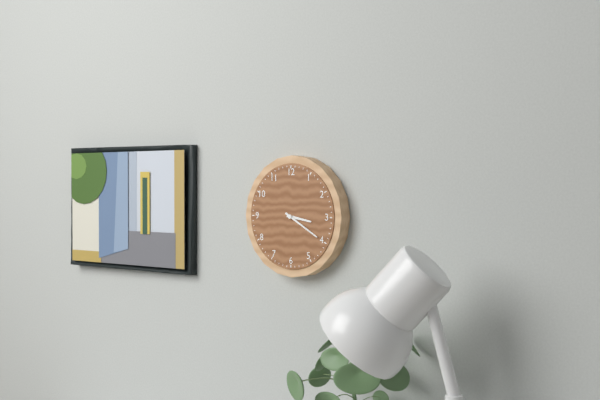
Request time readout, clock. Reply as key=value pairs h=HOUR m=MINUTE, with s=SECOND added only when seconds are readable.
h=3 m=20
